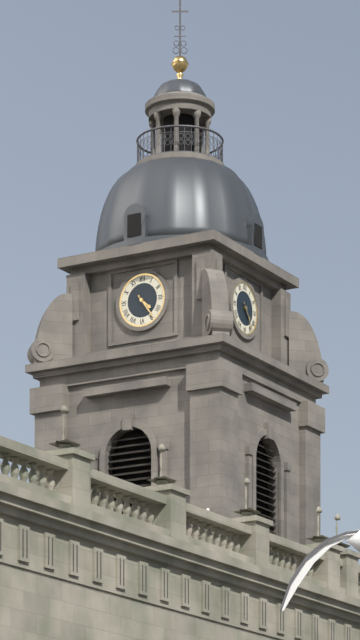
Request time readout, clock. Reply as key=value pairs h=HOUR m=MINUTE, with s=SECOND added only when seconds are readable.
h=4 m=24
